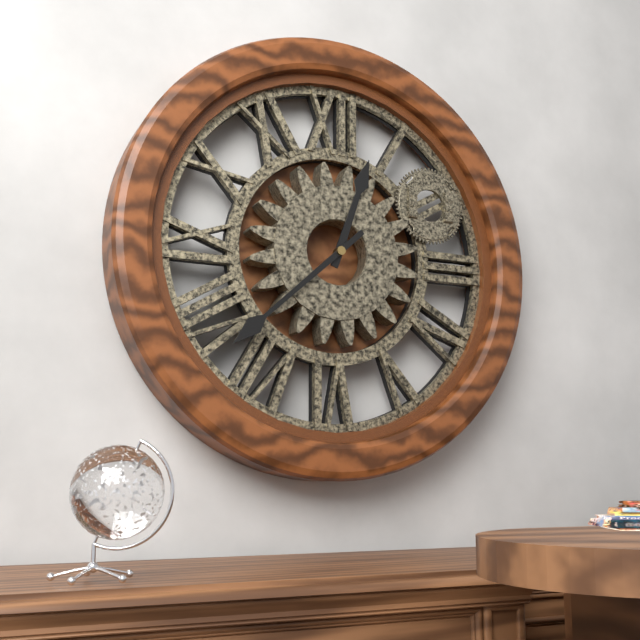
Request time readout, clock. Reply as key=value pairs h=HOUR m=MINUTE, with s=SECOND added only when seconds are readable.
h=12 m=38
